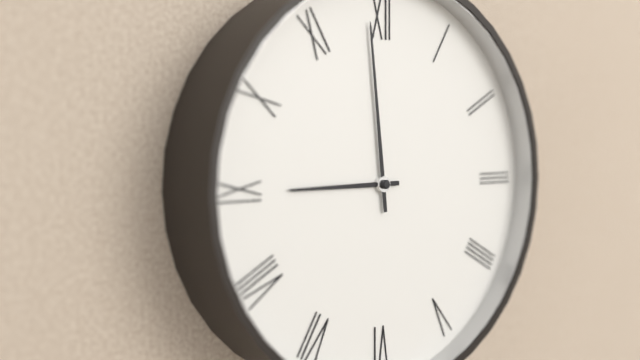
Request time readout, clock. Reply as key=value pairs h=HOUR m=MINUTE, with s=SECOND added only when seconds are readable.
h=8 m=59
